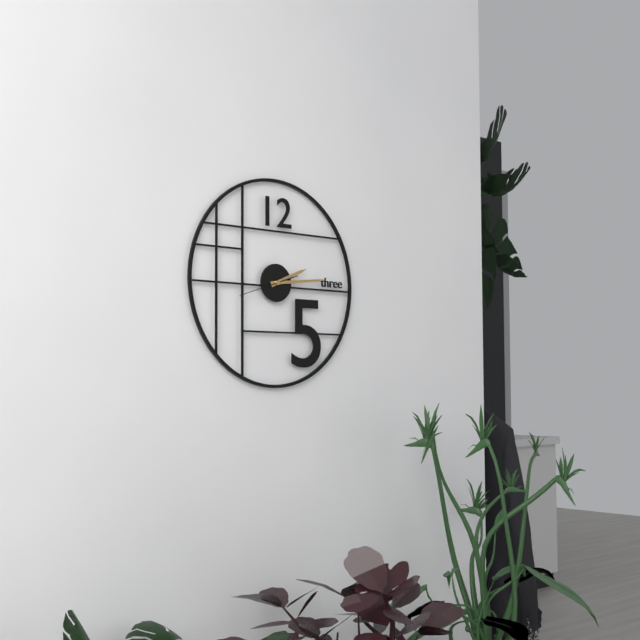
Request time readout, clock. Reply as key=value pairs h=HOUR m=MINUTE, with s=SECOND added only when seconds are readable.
h=2 m=14
